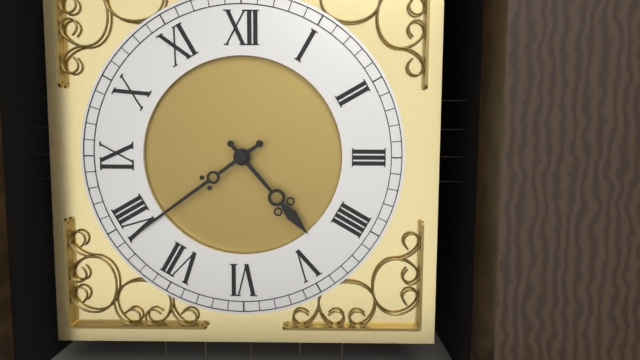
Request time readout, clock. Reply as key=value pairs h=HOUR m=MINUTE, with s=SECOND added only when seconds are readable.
h=4 m=39
